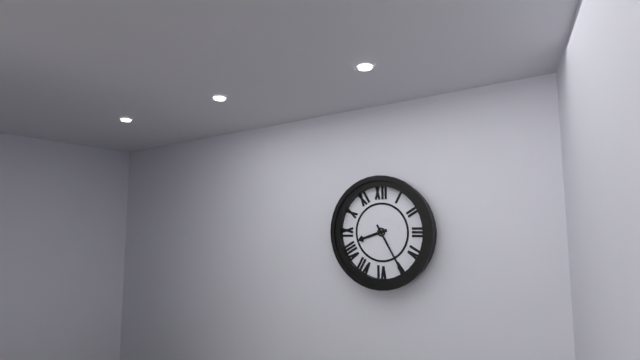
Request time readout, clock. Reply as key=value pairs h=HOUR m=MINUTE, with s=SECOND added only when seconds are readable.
h=8 m=25
